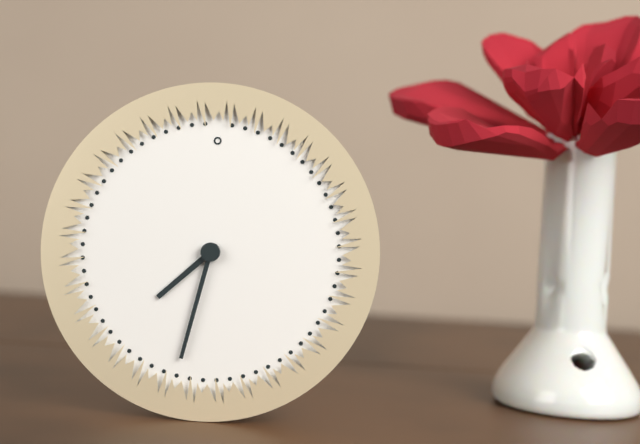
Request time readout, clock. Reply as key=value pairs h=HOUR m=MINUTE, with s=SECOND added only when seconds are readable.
h=7 m=32
